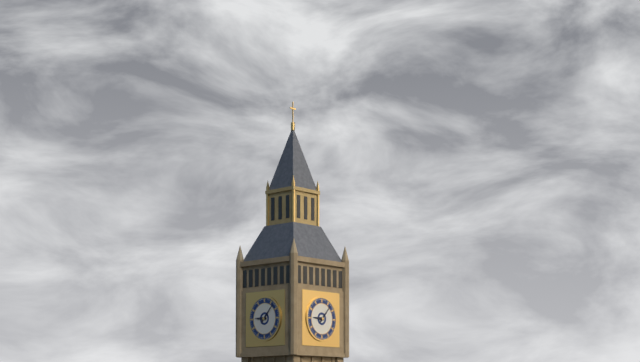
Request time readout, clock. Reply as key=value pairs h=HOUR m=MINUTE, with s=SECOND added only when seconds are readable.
h=9 m=7
